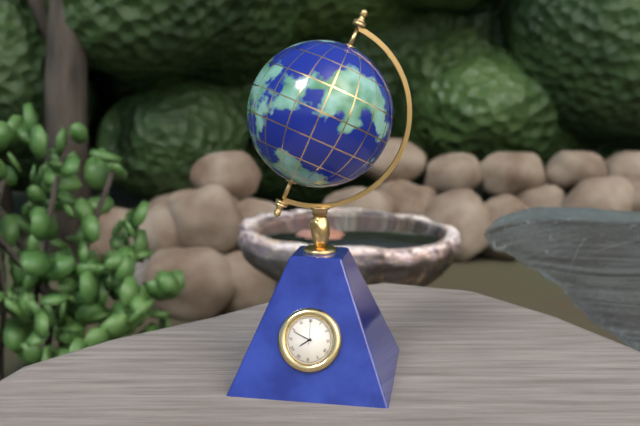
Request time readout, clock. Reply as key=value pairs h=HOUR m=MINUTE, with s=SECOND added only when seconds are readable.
h=7 m=49
